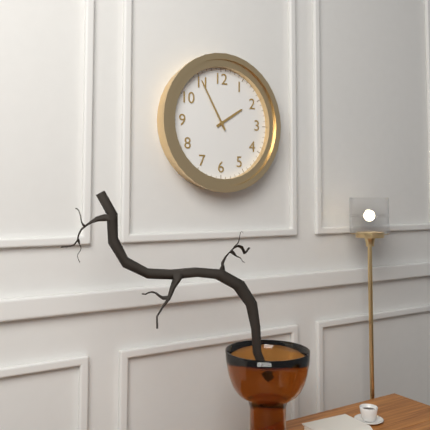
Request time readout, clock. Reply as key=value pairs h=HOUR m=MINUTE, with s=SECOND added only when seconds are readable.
h=1 m=55
